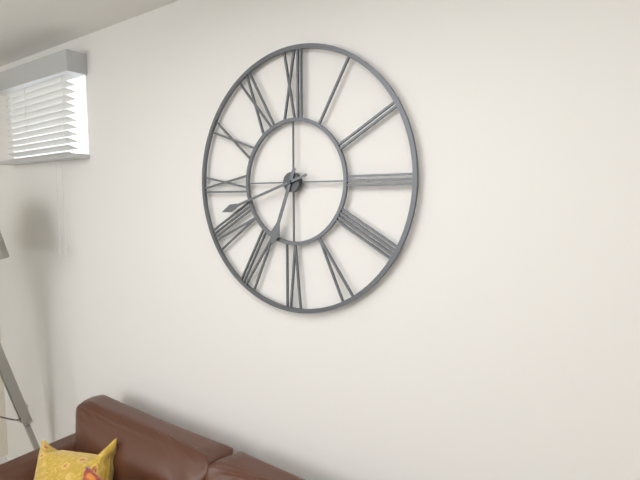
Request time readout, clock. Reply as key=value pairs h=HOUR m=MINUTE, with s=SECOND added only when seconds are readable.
h=6 m=42
